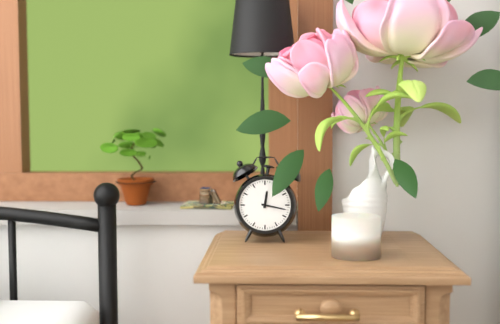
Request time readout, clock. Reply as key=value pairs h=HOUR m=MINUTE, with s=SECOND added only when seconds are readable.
h=12 m=17
